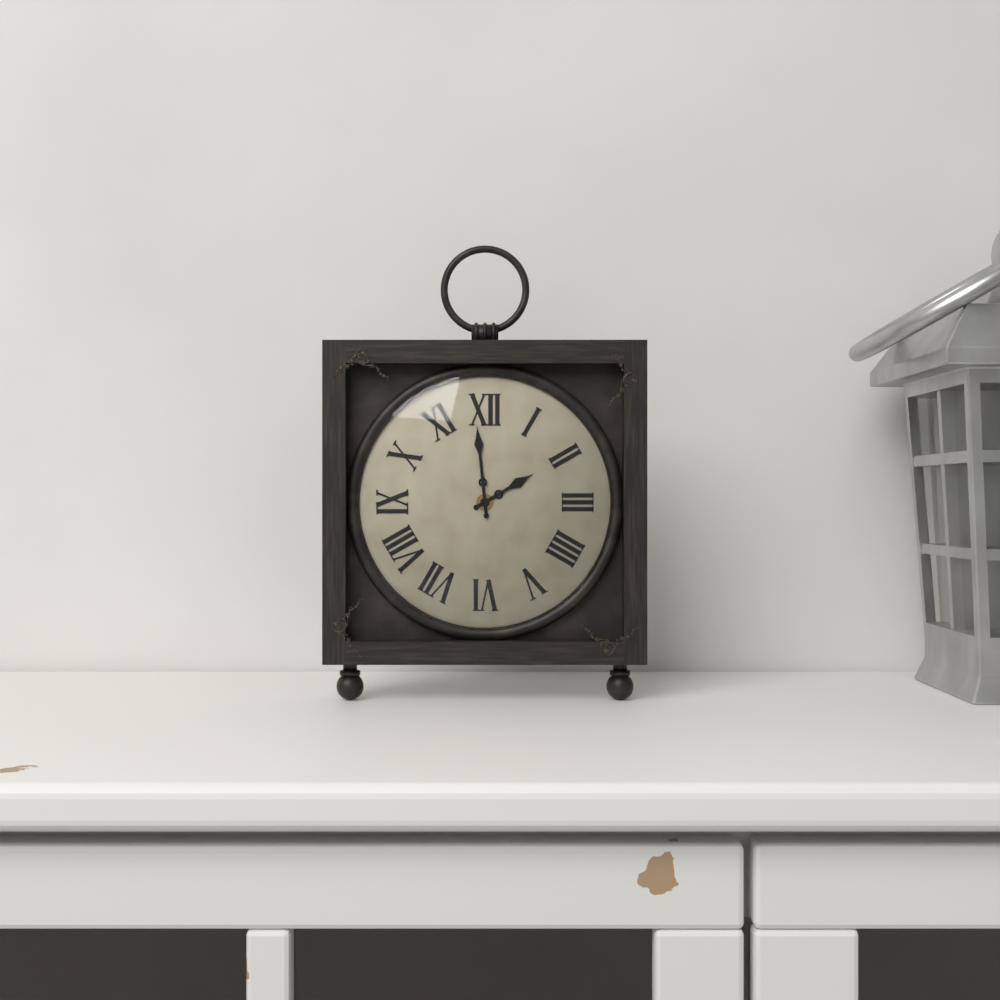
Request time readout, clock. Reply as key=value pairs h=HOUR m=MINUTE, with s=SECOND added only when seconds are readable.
h=1 m=59
